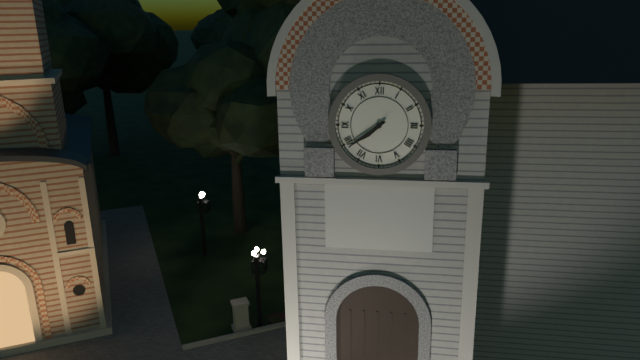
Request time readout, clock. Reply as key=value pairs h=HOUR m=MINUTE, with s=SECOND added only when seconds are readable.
h=7 m=39
